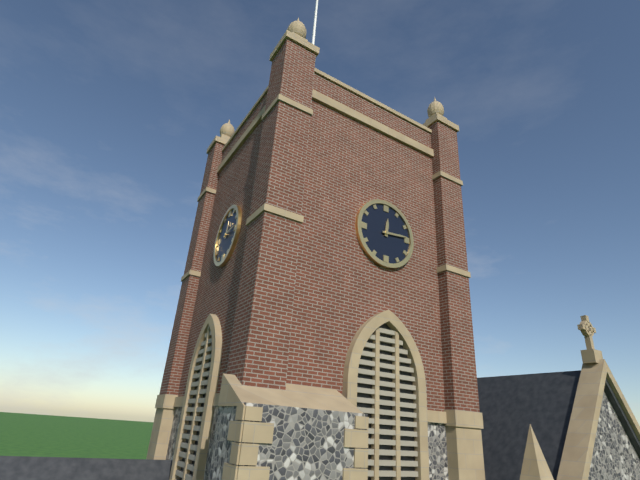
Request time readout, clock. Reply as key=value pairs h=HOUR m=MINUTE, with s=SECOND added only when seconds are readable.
h=12 m=14
